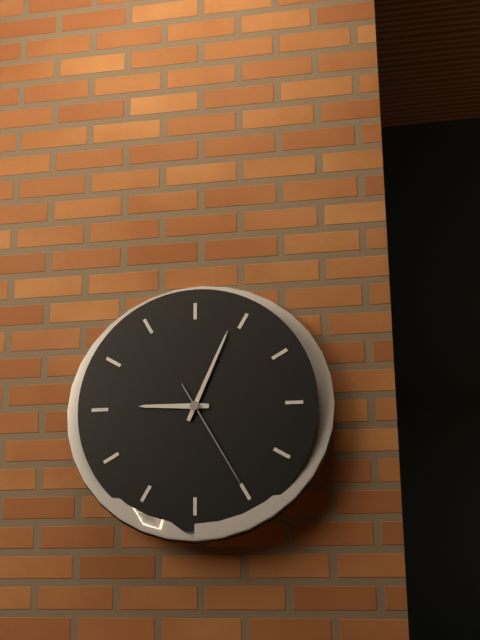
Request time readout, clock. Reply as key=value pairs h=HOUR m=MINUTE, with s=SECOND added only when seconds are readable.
h=9 m=4 s=25
